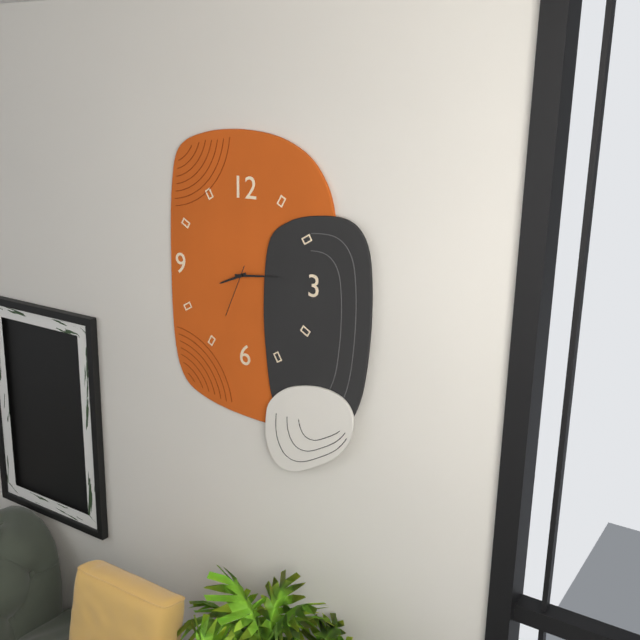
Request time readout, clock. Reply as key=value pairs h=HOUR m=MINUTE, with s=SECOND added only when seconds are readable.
h=8 m=14 s=34
